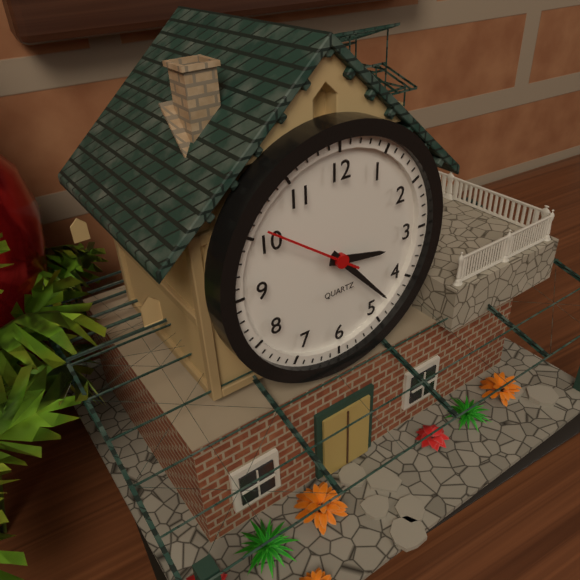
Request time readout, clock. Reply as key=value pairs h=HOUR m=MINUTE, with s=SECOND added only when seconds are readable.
h=3 m=23 s=51
